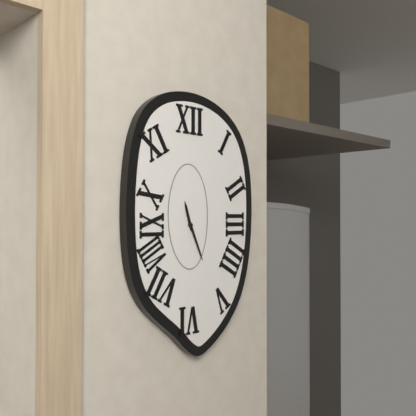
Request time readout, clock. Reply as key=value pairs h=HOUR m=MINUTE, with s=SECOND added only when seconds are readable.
h=11 m=26
